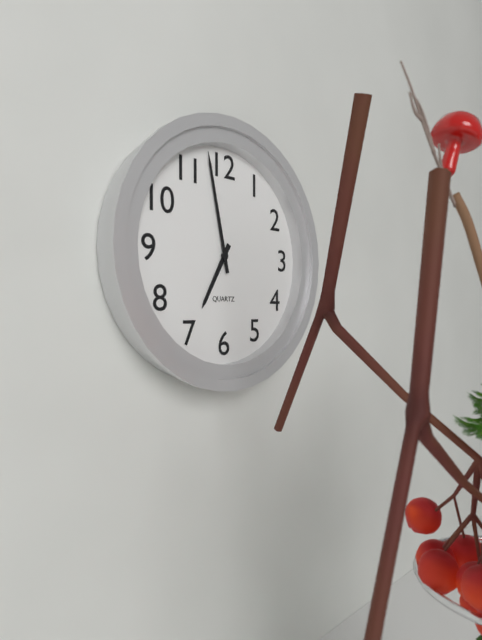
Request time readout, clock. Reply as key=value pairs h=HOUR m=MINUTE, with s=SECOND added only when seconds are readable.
h=6 m=58
